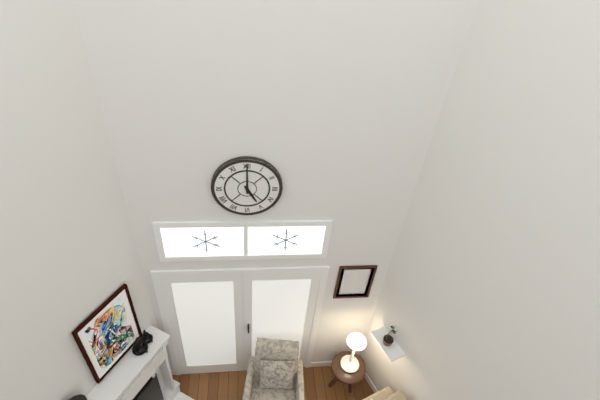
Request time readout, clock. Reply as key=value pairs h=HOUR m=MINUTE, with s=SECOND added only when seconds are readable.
h=5 m=0
